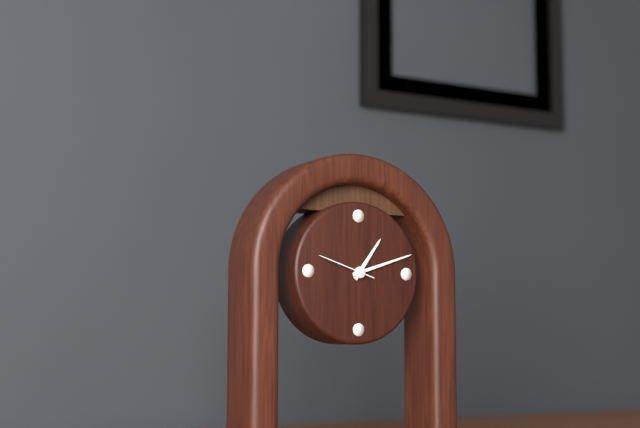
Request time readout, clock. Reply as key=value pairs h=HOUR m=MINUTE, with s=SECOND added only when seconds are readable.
h=1 m=12 s=48
